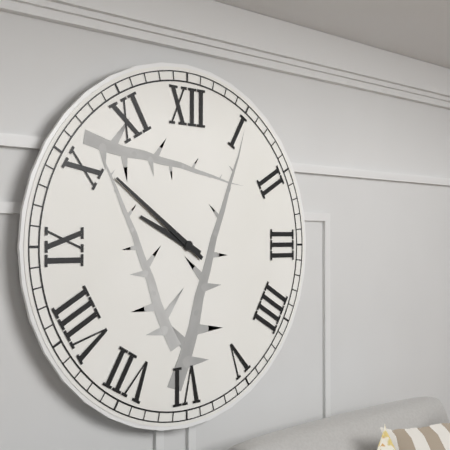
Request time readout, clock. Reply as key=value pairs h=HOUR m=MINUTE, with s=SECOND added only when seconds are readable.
h=9 m=51
